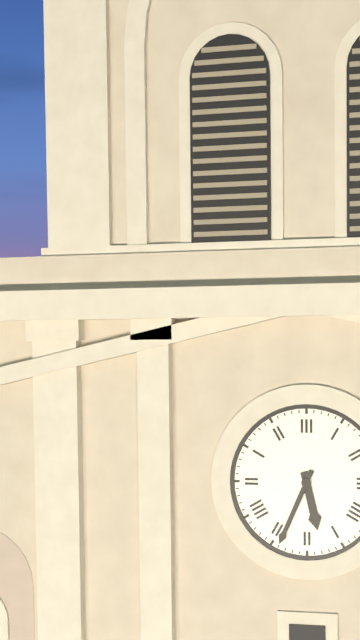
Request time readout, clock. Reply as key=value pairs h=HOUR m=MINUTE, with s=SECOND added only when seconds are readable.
h=5 m=34
